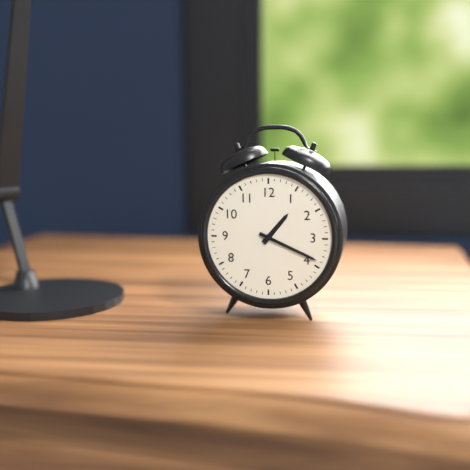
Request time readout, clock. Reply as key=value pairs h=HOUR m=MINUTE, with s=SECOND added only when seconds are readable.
h=1 m=19
